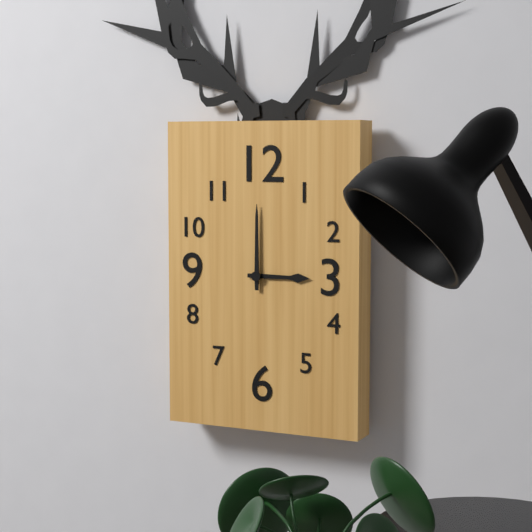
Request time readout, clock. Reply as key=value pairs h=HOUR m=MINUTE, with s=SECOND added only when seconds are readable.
h=3 m=0
